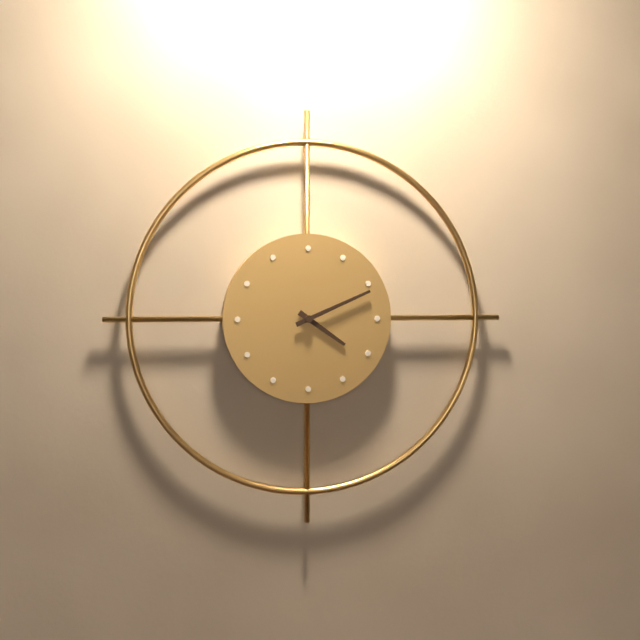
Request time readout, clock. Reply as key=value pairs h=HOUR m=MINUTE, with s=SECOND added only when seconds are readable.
h=4 m=11
